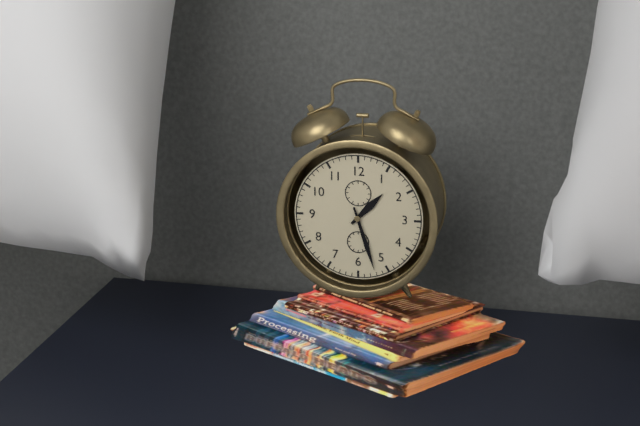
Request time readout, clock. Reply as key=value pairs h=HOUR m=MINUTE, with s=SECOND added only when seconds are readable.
h=1 m=27
